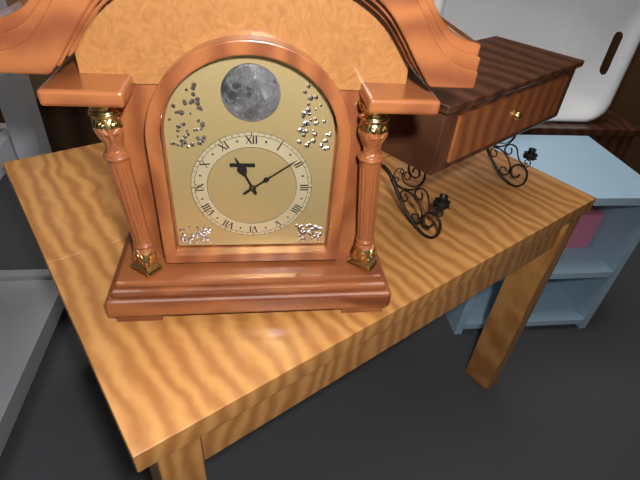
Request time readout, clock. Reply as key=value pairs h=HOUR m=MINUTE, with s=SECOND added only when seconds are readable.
h=11 m=9
